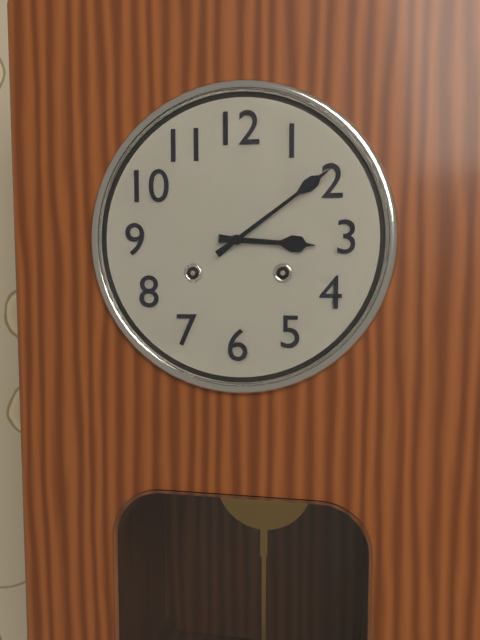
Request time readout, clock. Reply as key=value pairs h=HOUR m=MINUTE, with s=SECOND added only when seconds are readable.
h=3 m=9
